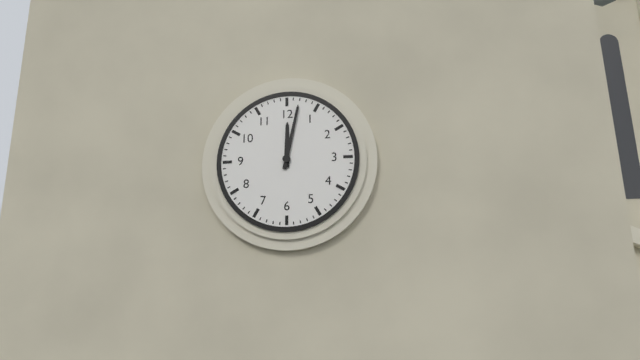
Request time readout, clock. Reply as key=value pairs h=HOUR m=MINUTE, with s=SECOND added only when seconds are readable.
h=12 m=2
